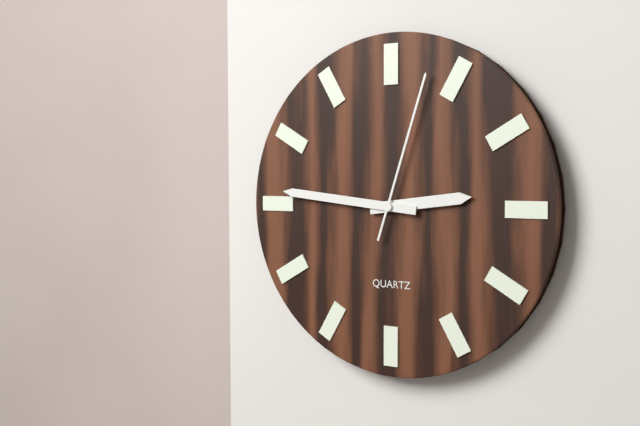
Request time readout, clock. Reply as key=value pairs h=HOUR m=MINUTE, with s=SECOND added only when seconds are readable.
h=2 m=46 s=3
